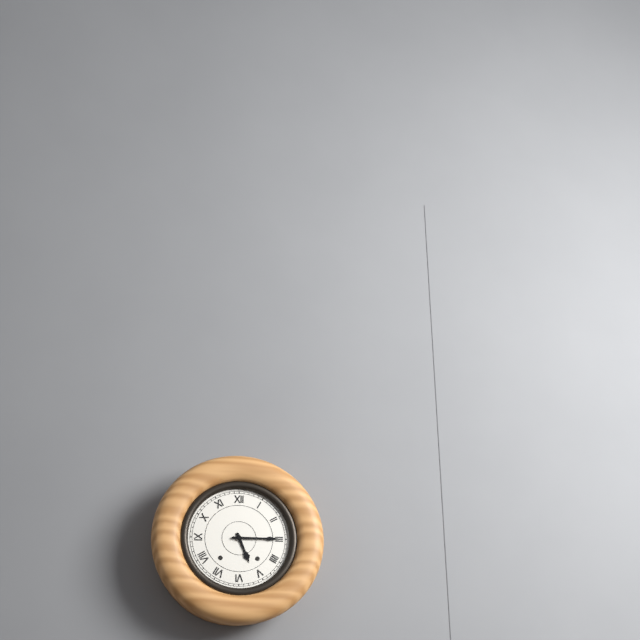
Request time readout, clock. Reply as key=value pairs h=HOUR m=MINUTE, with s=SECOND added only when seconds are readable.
h=5 m=15
